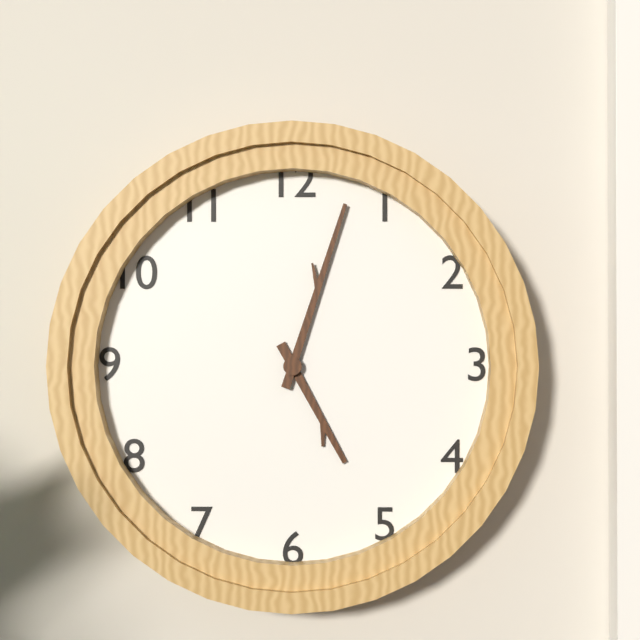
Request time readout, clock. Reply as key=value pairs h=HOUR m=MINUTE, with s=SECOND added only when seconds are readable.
h=5 m=3
